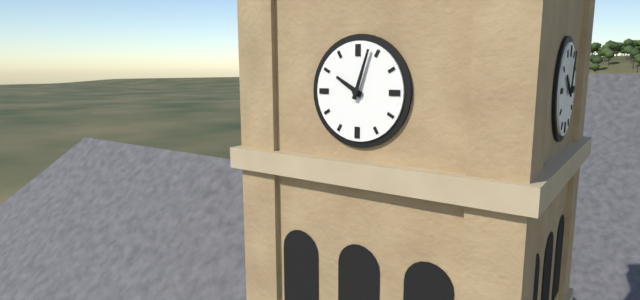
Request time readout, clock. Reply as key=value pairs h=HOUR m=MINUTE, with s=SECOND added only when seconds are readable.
h=10 m=3
